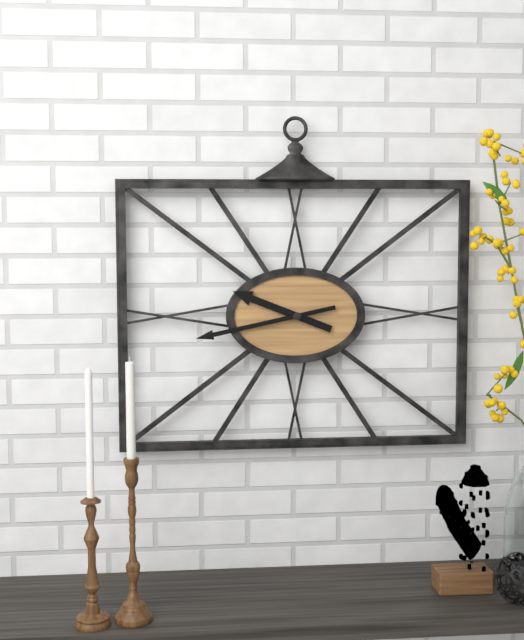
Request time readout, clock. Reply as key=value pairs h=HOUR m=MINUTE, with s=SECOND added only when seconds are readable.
h=9 m=43
